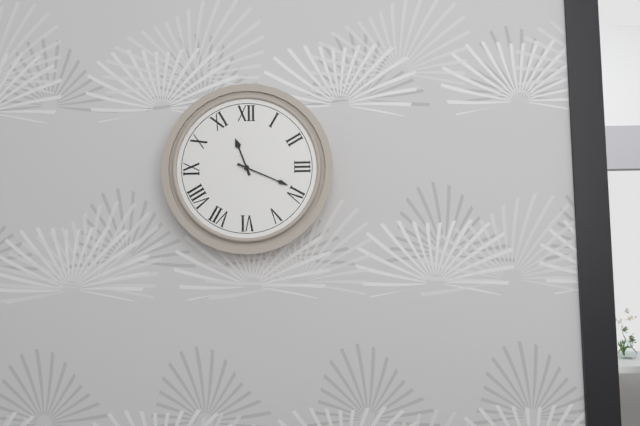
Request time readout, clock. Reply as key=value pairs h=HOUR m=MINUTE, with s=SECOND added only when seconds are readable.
h=11 m=19
